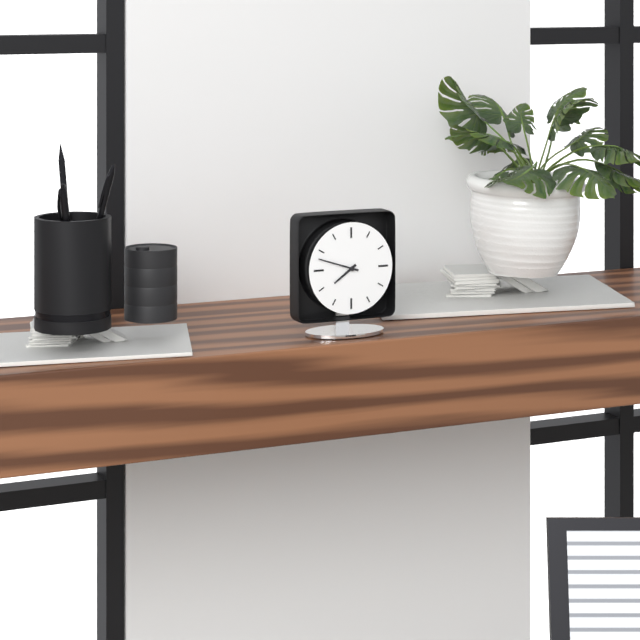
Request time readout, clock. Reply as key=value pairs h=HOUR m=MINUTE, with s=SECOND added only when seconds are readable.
h=7 m=48
